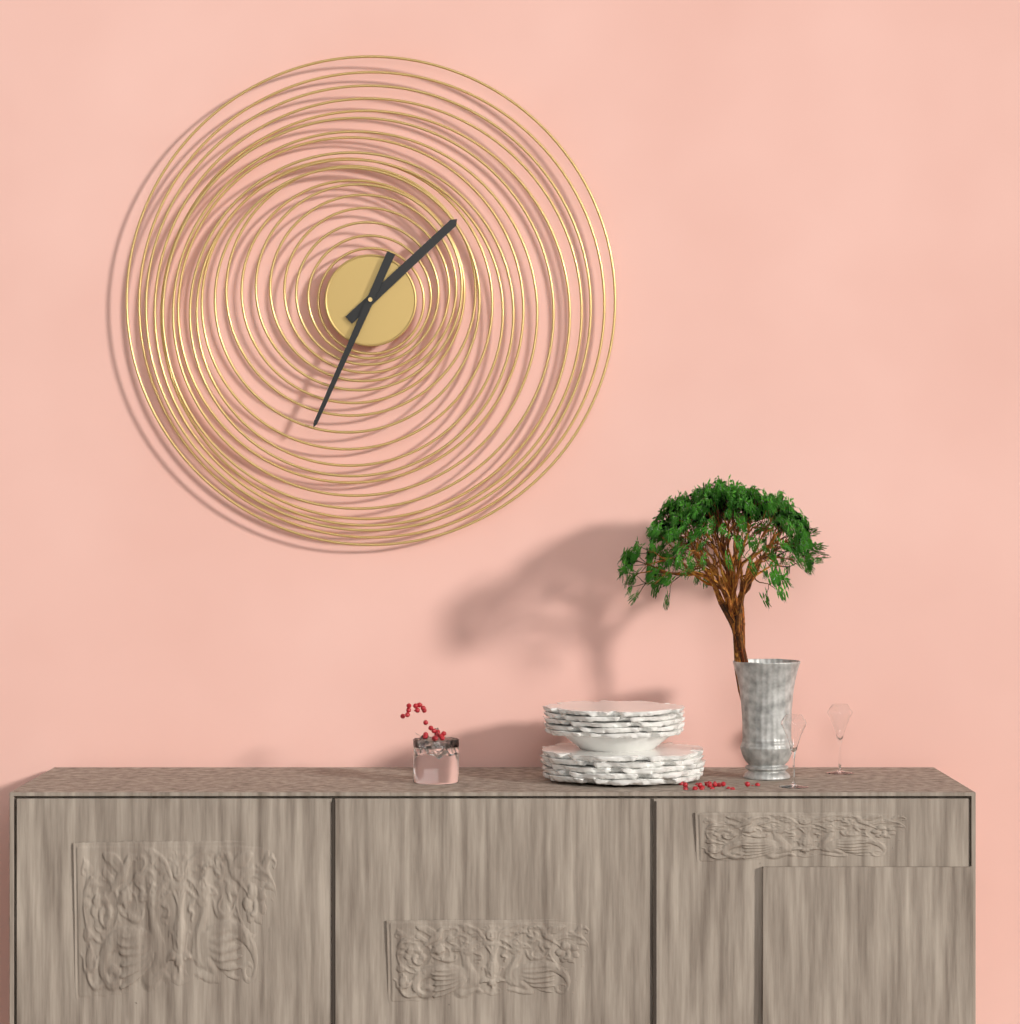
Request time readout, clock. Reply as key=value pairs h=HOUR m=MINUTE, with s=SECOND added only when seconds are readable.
h=1 m=34
